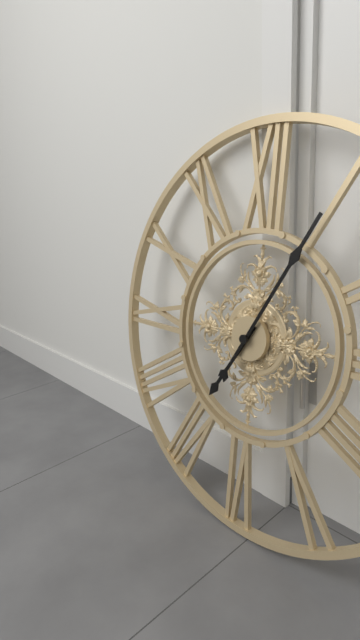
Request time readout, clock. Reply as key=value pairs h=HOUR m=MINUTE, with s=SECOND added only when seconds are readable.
h=7 m=5
